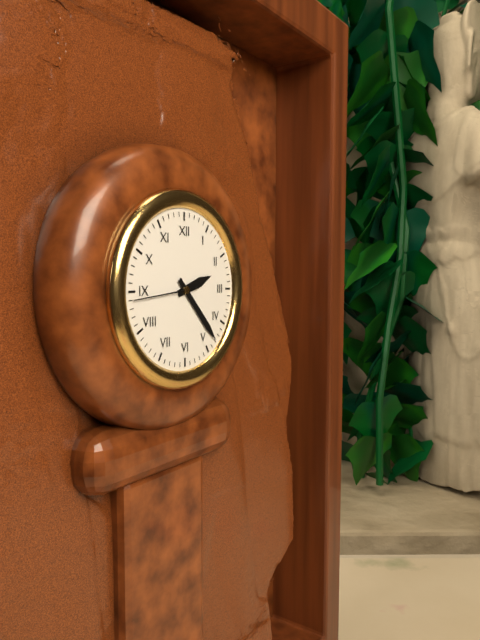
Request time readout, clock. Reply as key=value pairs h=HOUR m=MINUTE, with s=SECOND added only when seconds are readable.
h=2 m=23 s=44
